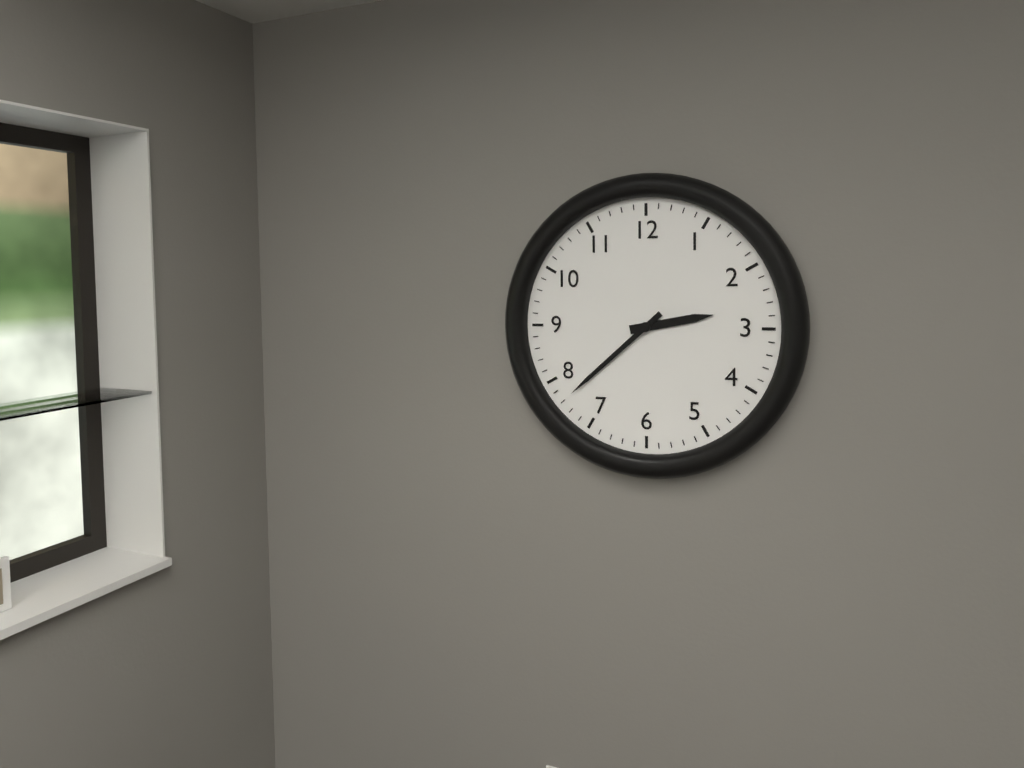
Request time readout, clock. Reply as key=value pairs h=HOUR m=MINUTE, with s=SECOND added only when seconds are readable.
h=2 m=38
